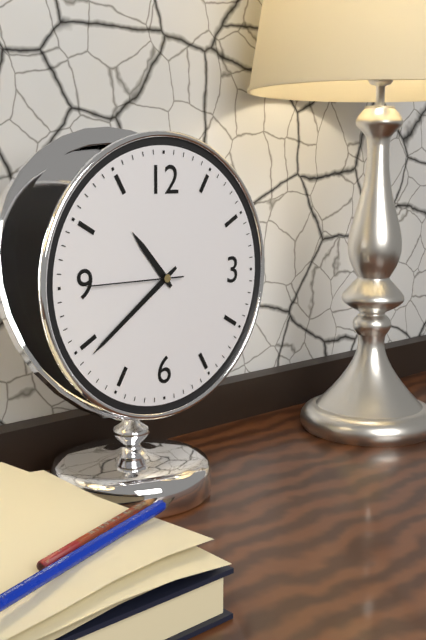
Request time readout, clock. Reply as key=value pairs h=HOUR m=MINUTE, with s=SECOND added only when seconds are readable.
h=10 m=39 s=45
